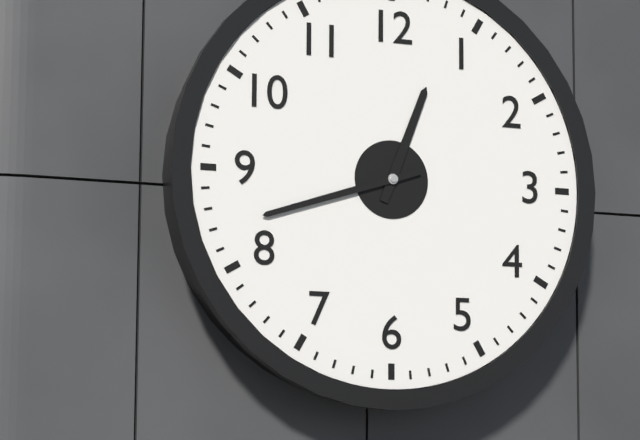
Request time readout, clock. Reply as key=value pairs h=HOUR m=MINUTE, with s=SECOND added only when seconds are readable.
h=12 m=42
